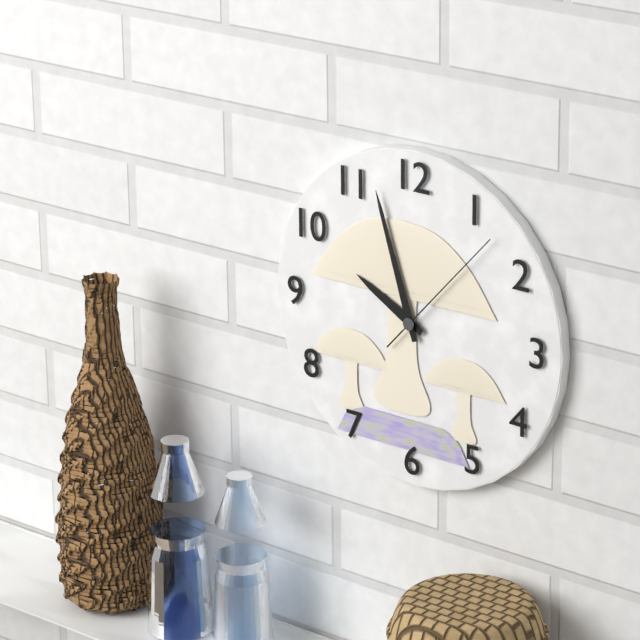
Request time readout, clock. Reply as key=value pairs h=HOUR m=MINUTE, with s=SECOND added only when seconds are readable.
h=9 m=57 s=7
